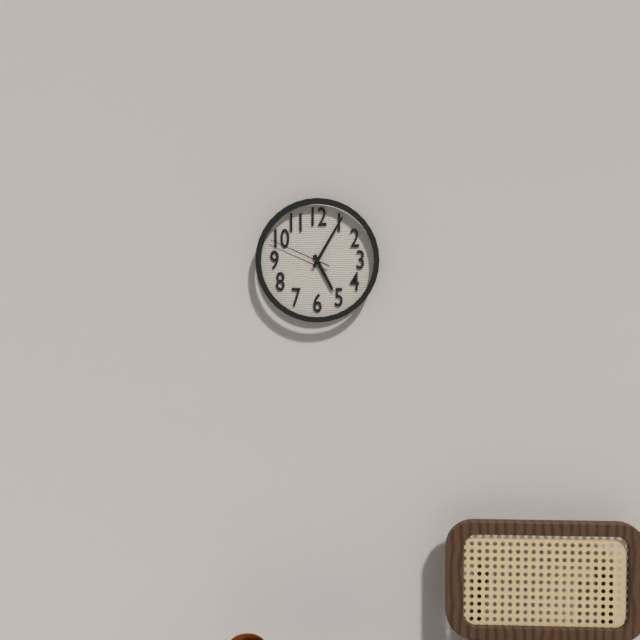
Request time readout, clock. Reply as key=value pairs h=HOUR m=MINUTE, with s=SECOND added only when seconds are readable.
h=5 m=5 s=49
